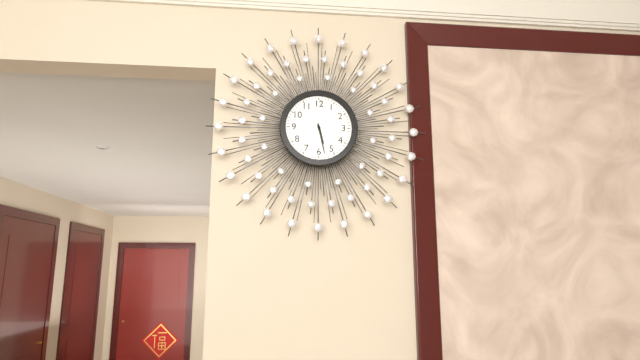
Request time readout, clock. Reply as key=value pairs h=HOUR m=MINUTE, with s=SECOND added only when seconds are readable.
h=5 m=28
